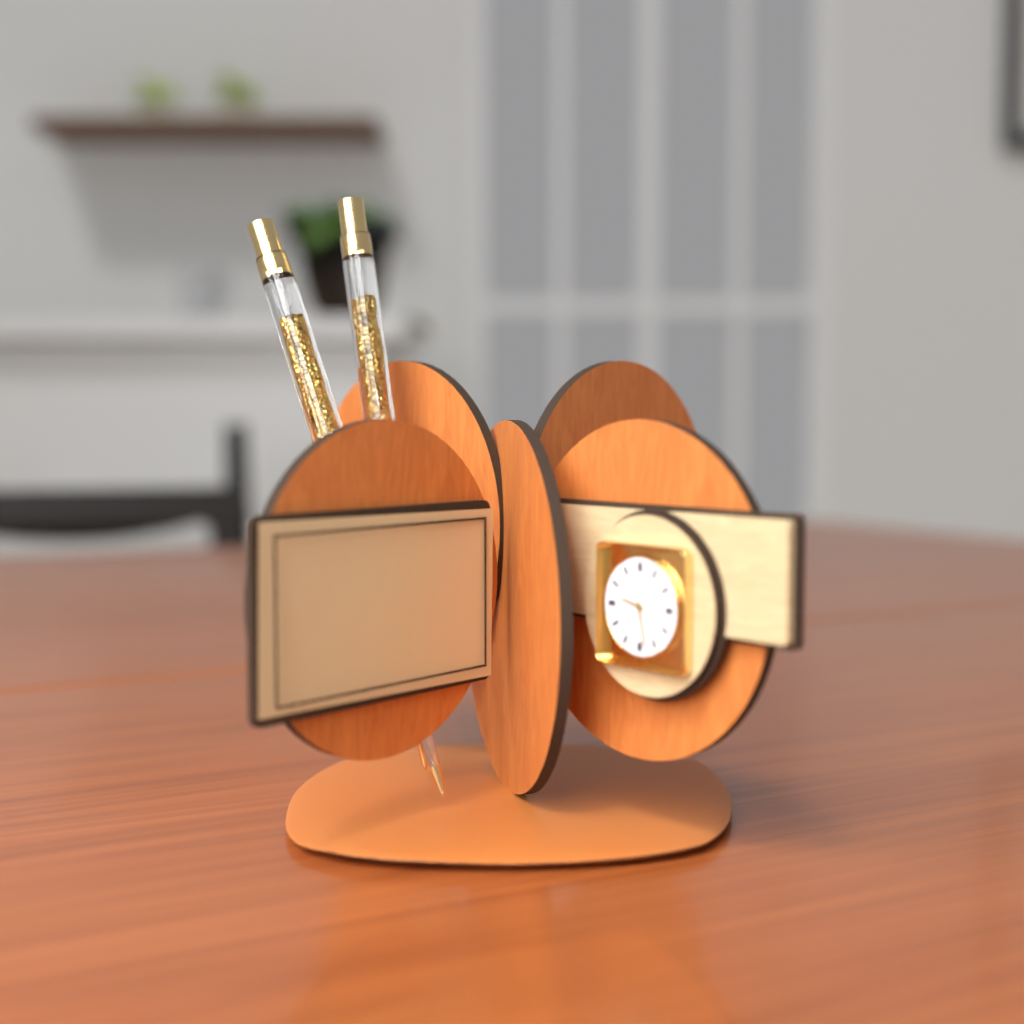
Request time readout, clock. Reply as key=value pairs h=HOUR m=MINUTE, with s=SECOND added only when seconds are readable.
h=9 m=28
